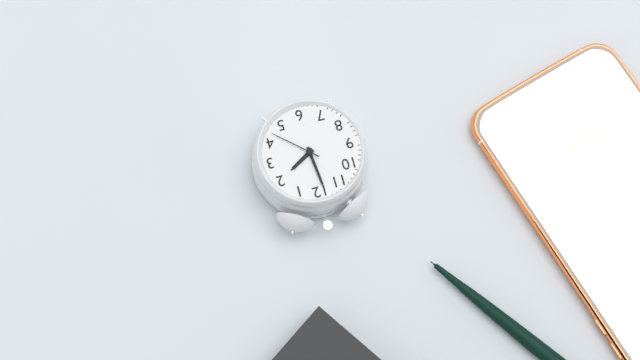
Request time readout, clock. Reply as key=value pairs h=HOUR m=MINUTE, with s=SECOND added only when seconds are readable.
h=1 m=59 s=22
